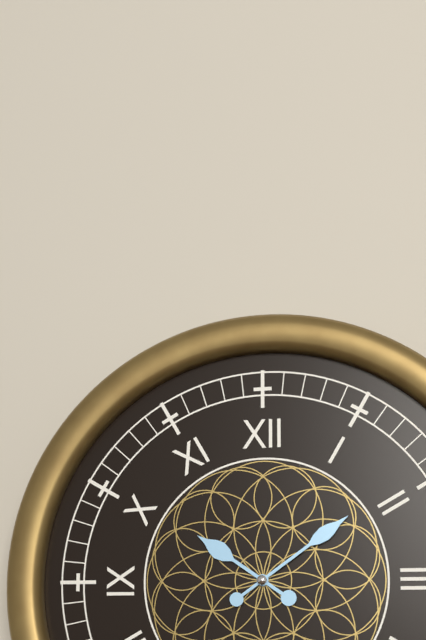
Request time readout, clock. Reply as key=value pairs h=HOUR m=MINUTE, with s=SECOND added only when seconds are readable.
h=10 m=9
